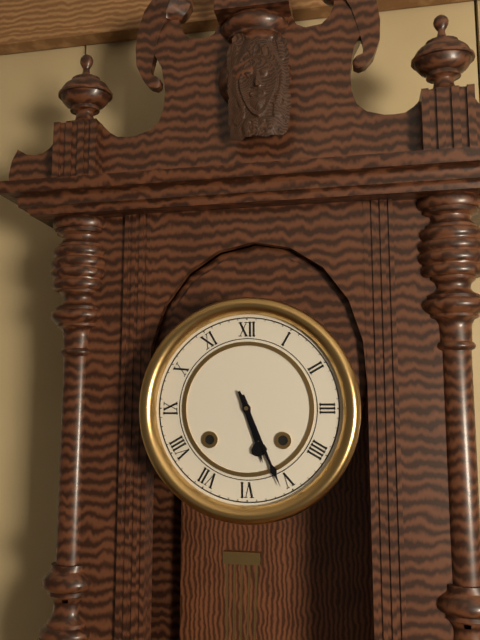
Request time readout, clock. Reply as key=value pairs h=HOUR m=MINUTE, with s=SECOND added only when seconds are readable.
h=5 m=26
